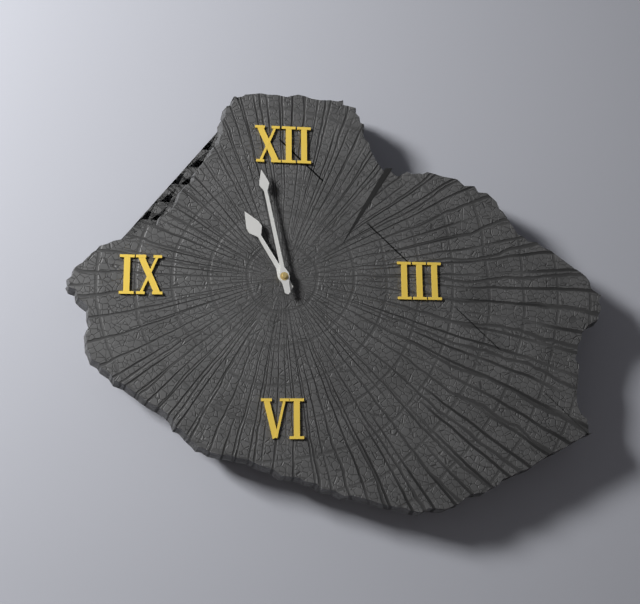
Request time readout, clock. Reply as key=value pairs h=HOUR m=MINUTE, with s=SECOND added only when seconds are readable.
h=10 m=58
